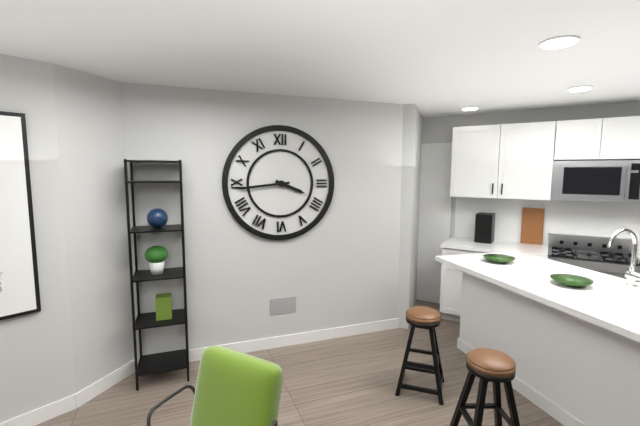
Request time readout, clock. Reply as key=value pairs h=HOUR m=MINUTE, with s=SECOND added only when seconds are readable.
h=3 m=44
